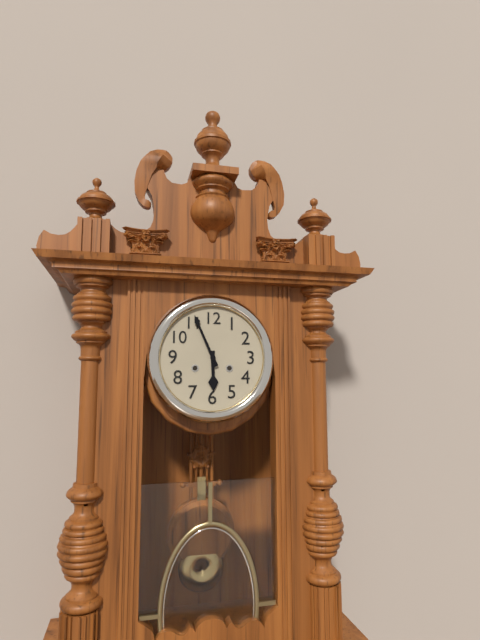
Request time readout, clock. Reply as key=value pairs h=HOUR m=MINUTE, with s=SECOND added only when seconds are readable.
h=5 m=56
